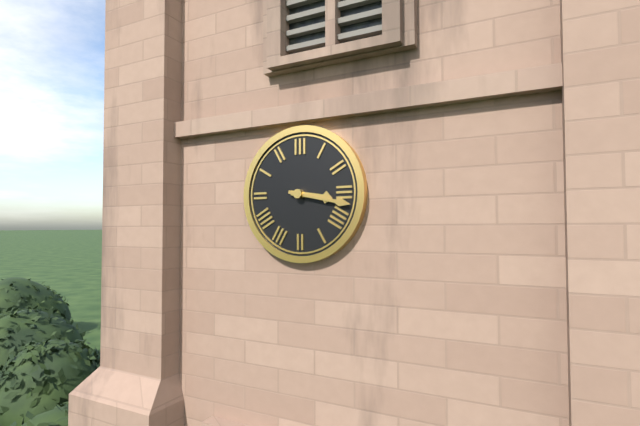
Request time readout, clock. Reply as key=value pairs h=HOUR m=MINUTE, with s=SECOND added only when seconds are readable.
h=3 m=17
